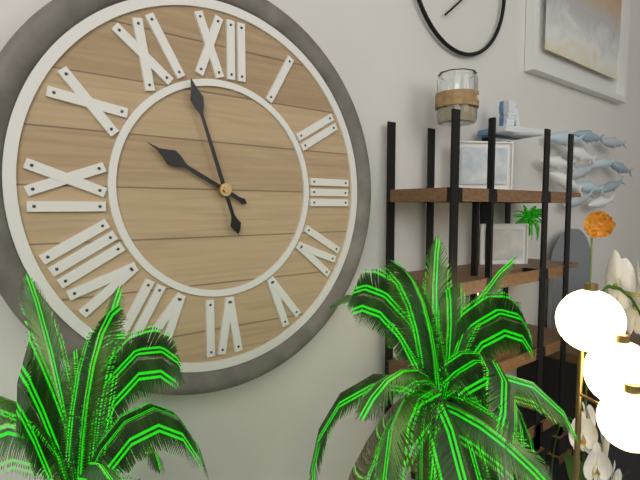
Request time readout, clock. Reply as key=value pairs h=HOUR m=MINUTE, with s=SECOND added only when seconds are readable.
h=9 m=57
